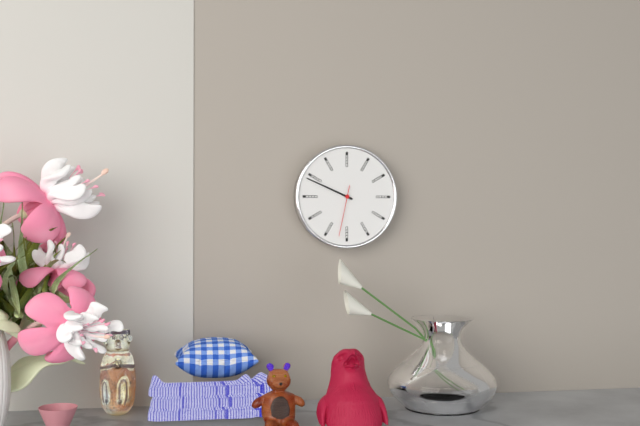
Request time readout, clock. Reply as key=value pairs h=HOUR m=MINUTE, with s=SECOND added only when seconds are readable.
h=9 m=49 s=32
